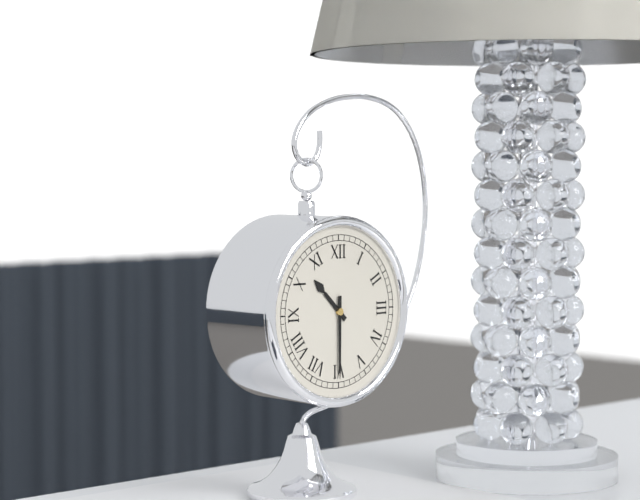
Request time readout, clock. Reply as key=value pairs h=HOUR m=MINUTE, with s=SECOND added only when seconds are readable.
h=10 m=30
